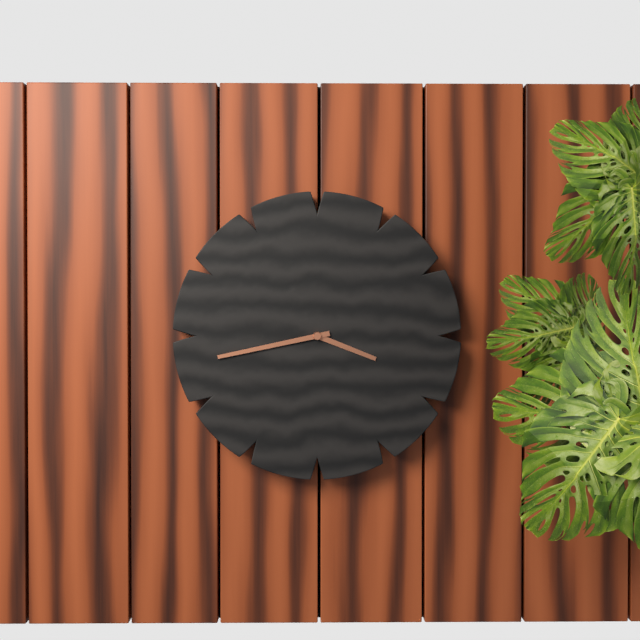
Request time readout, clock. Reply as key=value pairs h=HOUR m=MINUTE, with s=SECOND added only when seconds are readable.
h=3 m=43
